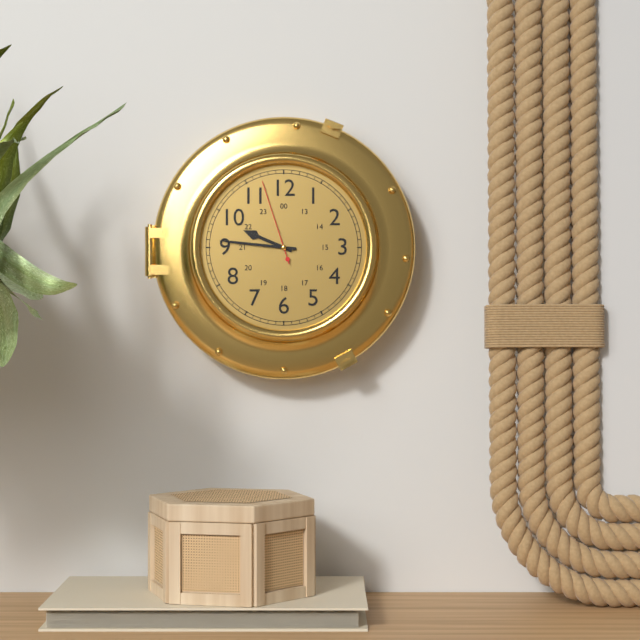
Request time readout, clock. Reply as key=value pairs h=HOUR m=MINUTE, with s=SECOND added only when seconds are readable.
h=9 m=46 s=57
